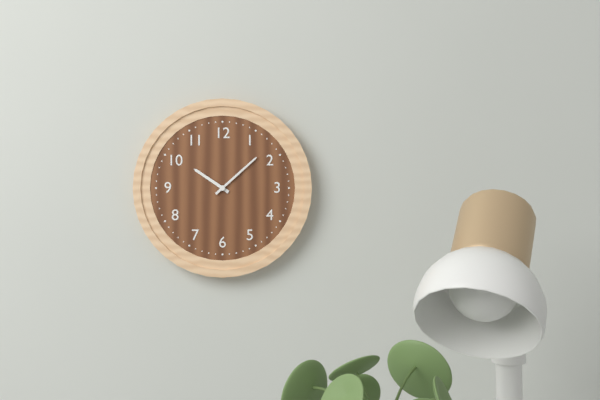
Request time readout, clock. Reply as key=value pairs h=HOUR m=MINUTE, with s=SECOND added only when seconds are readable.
h=10 m=8
